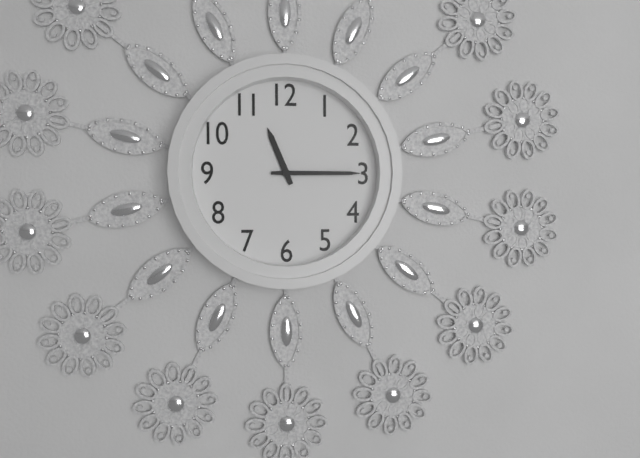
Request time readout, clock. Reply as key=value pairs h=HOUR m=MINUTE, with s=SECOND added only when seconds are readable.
h=11 m=15
